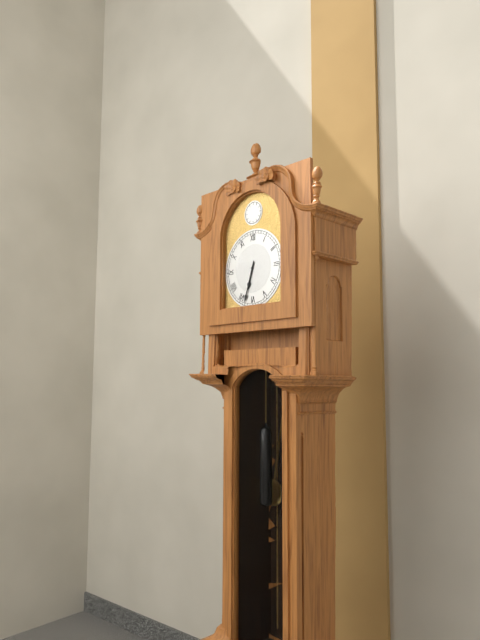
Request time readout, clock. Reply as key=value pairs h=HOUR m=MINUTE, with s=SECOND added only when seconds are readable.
h=6 m=33
